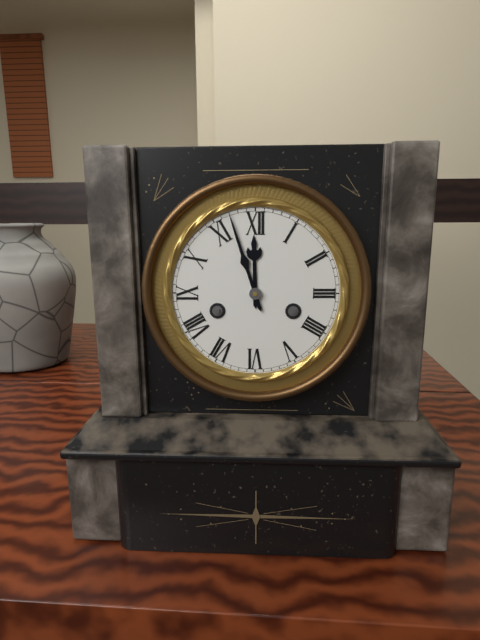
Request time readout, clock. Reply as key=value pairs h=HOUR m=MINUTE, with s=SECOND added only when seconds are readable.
h=11 m=57
